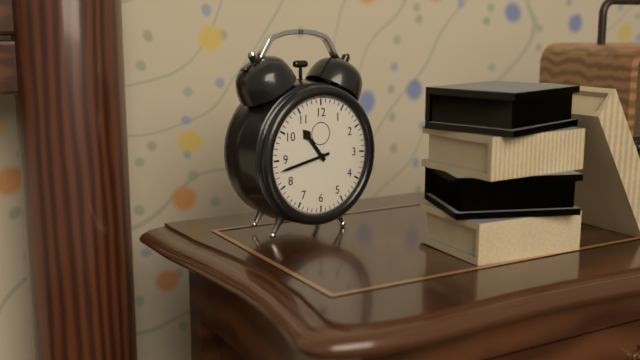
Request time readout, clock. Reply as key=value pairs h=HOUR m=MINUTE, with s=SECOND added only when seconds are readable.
h=10 m=43
